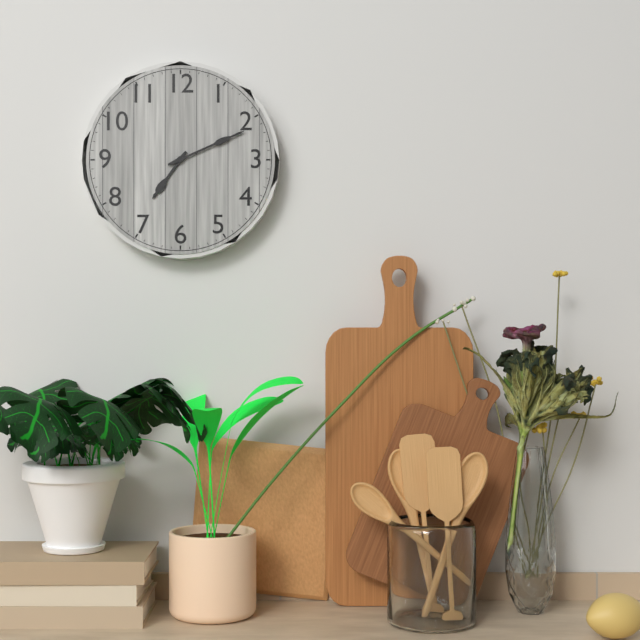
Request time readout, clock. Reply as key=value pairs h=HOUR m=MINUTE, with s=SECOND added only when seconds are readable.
h=7 m=11
